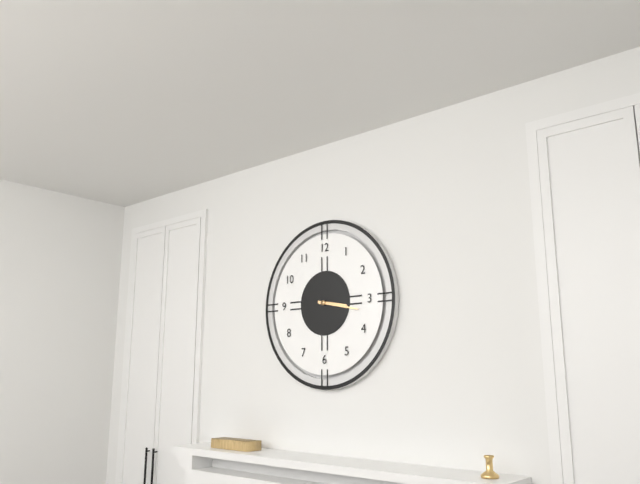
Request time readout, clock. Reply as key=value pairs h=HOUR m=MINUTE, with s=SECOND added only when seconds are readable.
h=3 m=17
